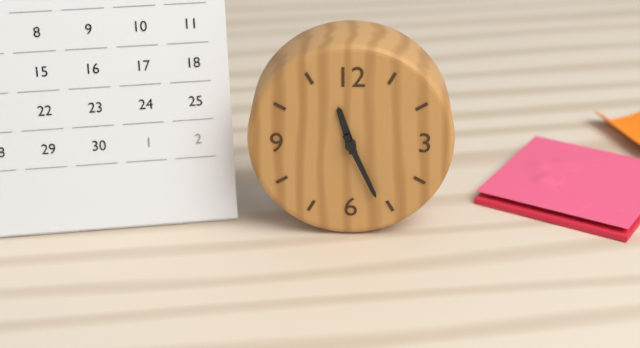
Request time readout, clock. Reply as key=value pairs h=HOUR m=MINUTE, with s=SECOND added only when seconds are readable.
h=11 m=26
